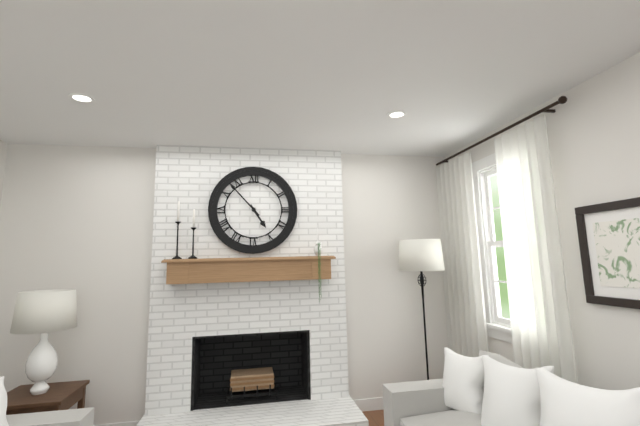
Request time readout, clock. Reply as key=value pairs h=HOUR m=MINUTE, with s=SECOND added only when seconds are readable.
h=4 m=53
